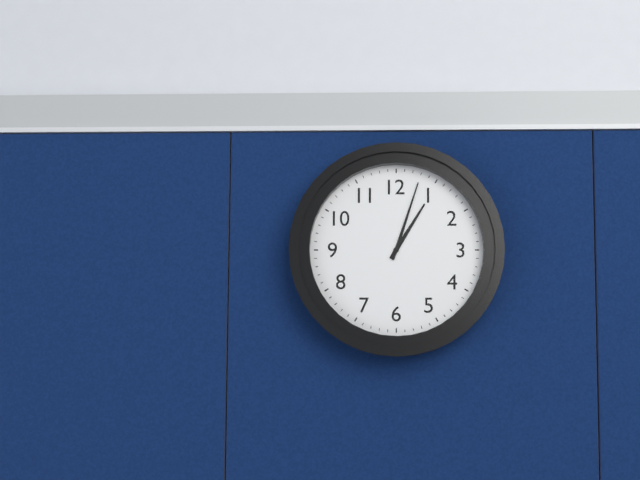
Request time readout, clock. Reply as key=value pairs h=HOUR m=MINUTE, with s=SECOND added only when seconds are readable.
h=1 m=3
